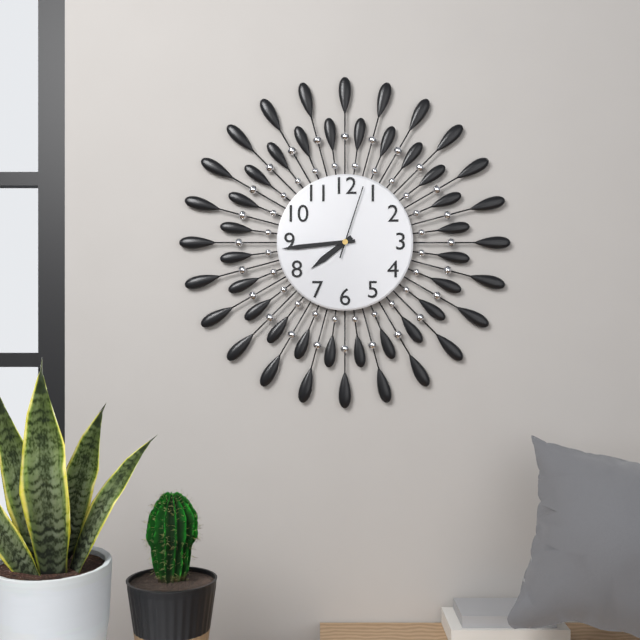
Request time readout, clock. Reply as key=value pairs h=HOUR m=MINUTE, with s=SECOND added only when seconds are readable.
h=7 m=44 s=3
